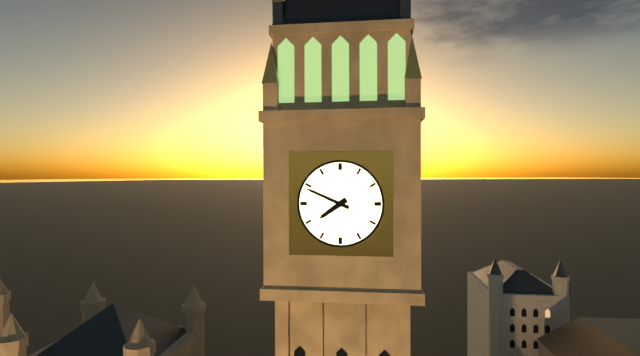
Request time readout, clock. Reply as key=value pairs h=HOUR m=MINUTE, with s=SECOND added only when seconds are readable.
h=7 m=49
